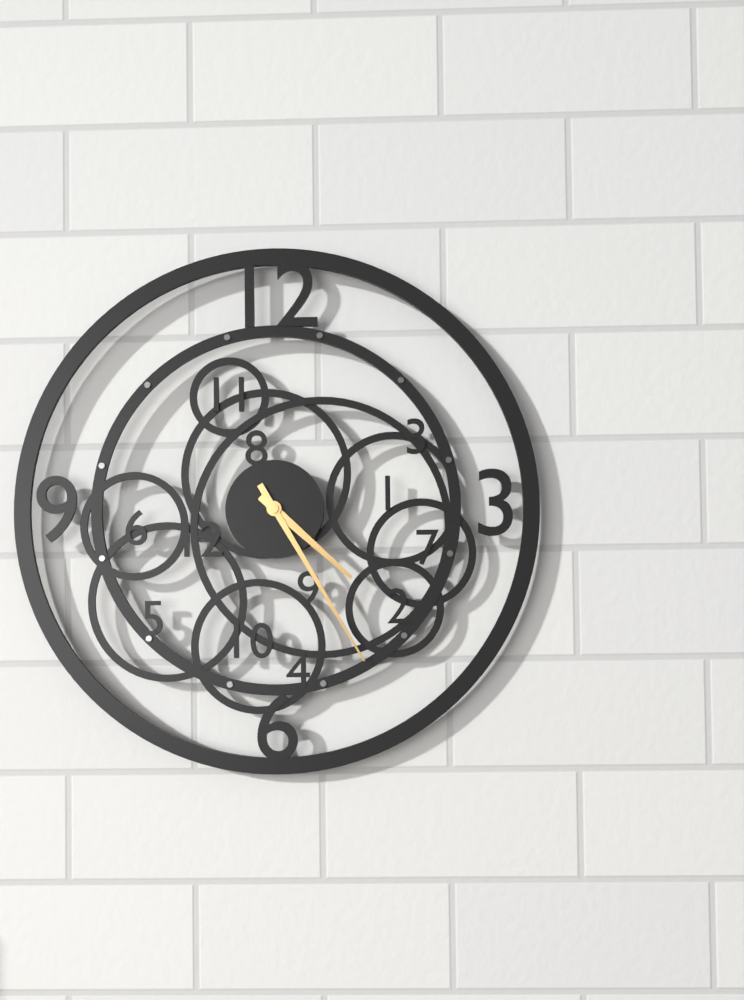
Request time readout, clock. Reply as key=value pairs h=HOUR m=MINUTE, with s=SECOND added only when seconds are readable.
h=4 m=25
